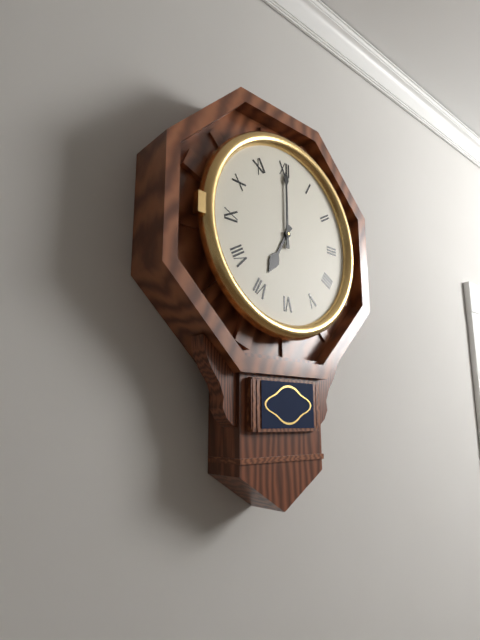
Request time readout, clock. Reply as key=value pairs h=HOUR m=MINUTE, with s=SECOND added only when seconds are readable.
h=7 m=0
